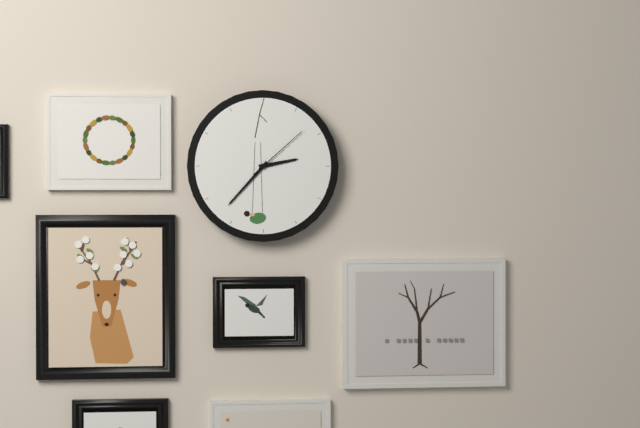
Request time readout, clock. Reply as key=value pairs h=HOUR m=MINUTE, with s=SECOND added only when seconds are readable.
h=2 m=37 s=8
